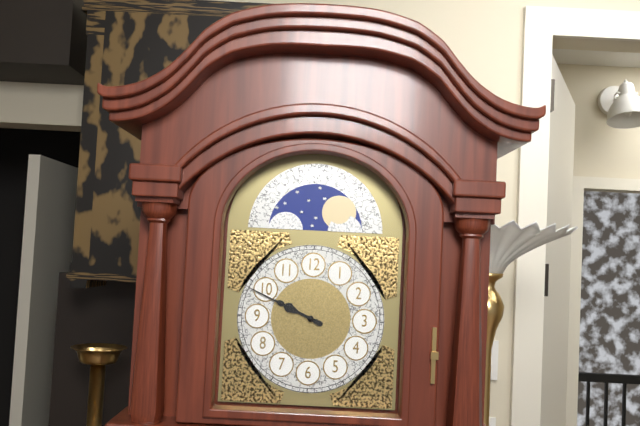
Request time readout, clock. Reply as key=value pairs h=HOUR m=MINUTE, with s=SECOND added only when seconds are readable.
h=9 m=49
